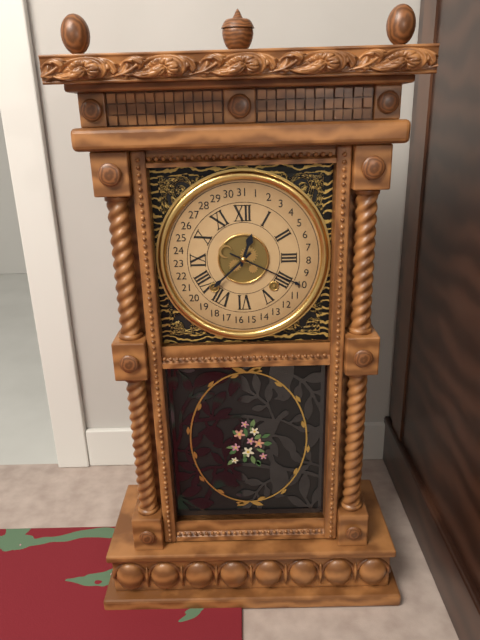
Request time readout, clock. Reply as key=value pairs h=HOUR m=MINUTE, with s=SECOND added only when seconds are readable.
h=12 m=38
